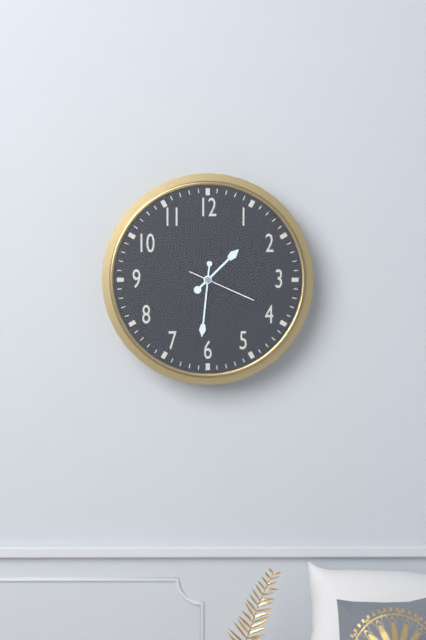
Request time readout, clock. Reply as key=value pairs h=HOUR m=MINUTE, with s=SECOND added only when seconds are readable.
h=1 m=31 s=19
